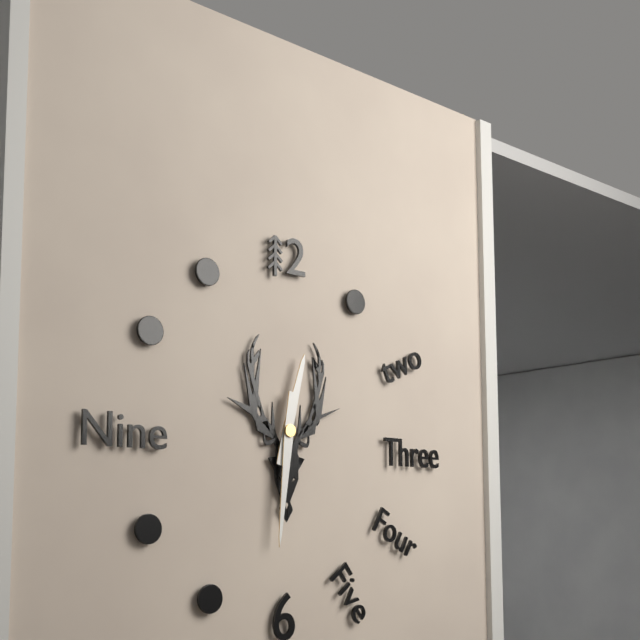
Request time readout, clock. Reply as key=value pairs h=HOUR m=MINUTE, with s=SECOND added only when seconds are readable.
h=12 m=31
